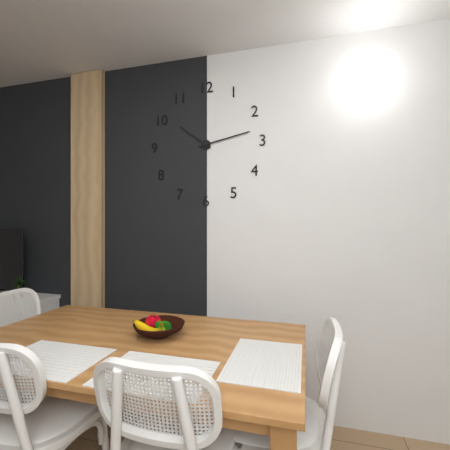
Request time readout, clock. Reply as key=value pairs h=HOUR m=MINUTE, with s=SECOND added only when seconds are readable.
h=10 m=13
